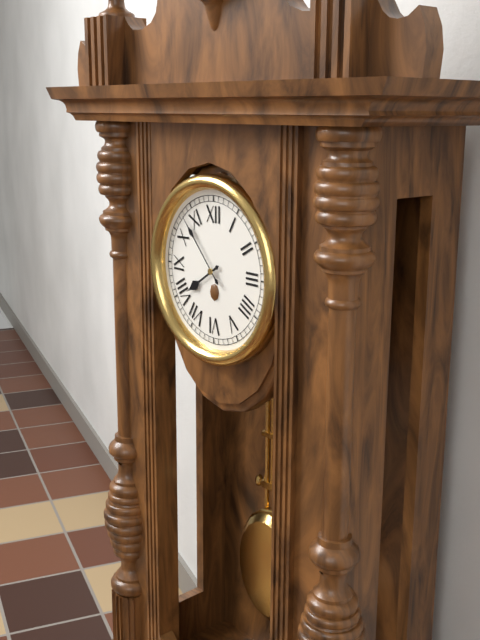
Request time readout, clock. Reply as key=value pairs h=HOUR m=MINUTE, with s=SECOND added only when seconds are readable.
h=7 m=53
